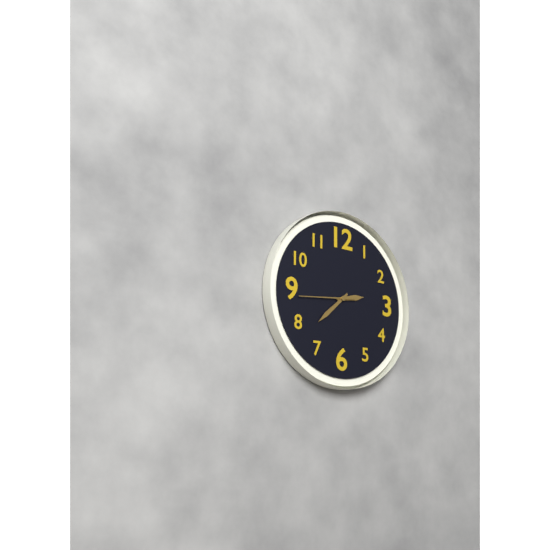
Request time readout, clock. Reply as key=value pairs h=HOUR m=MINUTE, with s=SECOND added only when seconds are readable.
h=2 m=38 s=44
